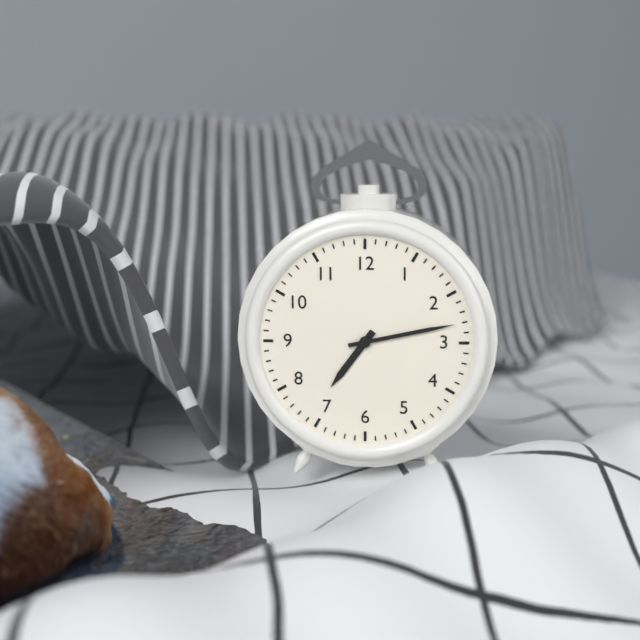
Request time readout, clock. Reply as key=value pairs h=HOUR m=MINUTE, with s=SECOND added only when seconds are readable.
h=7 m=13
